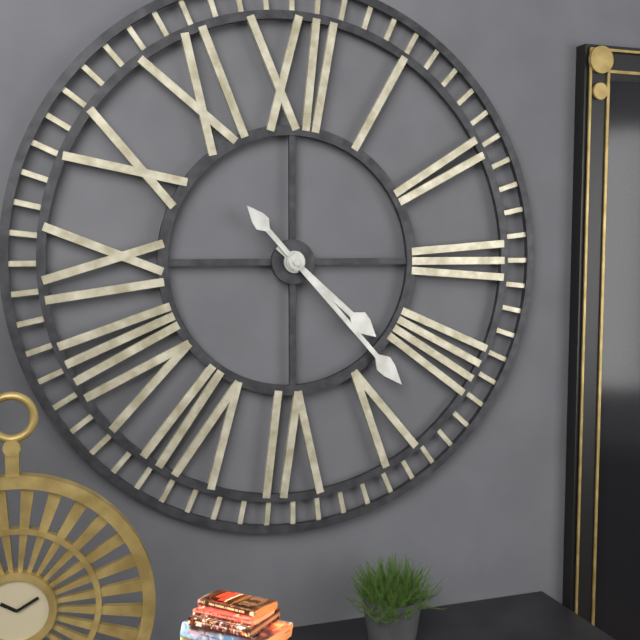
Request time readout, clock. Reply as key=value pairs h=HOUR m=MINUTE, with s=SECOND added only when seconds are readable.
h=4 m=23
